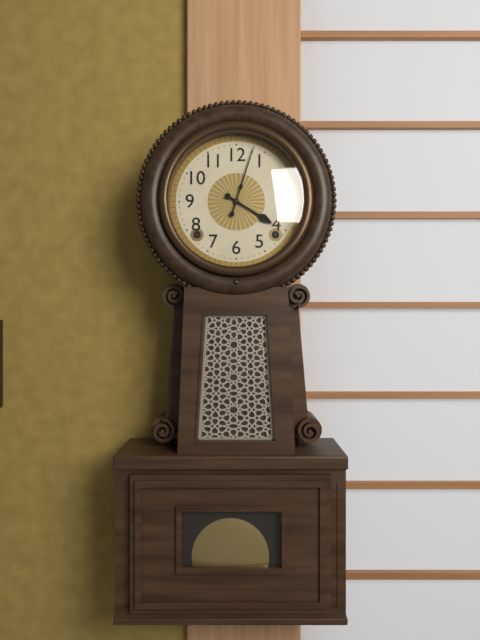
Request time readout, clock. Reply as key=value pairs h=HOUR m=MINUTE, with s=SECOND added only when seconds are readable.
h=4 m=3
